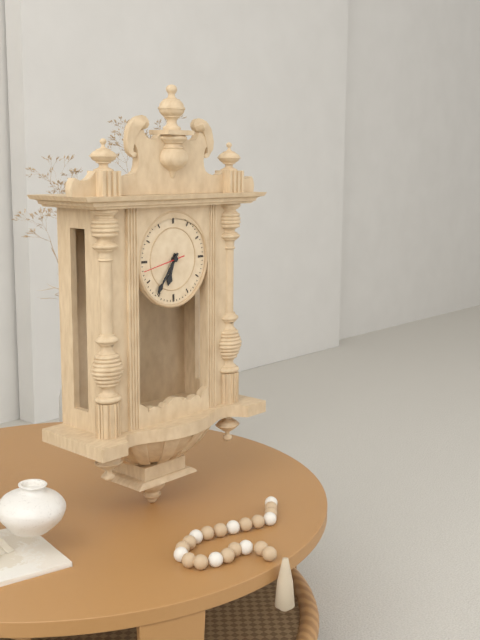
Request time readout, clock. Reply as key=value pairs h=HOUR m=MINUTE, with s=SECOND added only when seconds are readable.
h=6 m=36
